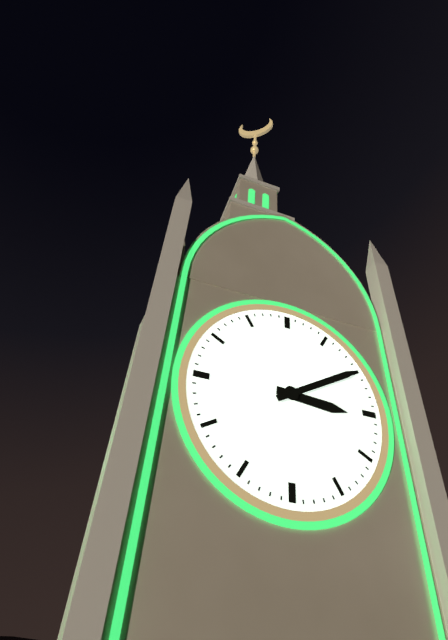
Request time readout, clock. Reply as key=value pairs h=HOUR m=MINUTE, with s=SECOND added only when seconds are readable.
h=3 m=10
